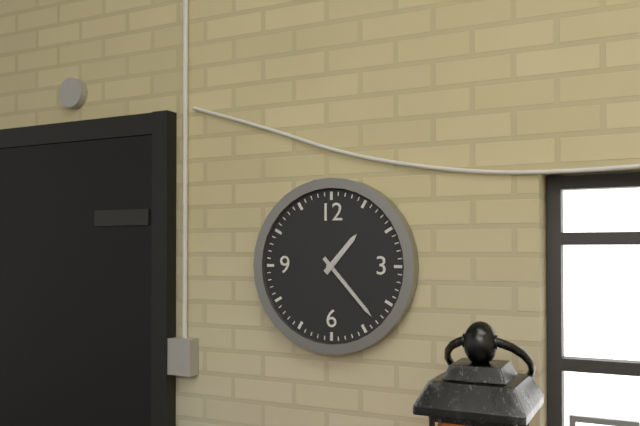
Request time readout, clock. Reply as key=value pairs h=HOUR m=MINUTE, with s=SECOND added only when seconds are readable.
h=1 m=23
